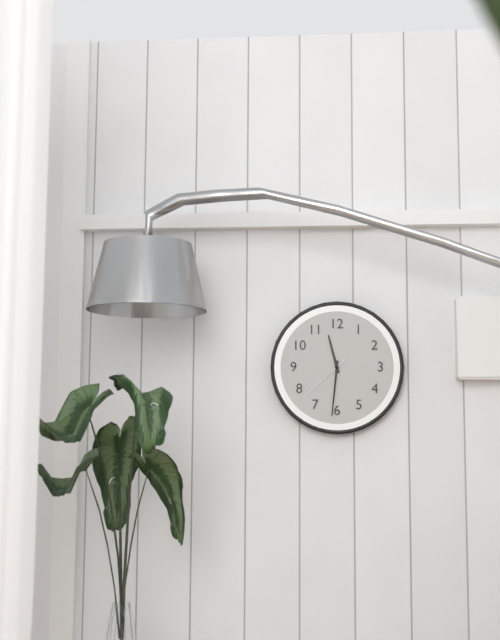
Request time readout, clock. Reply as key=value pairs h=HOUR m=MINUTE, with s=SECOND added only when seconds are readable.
h=11 m=31 s=38
